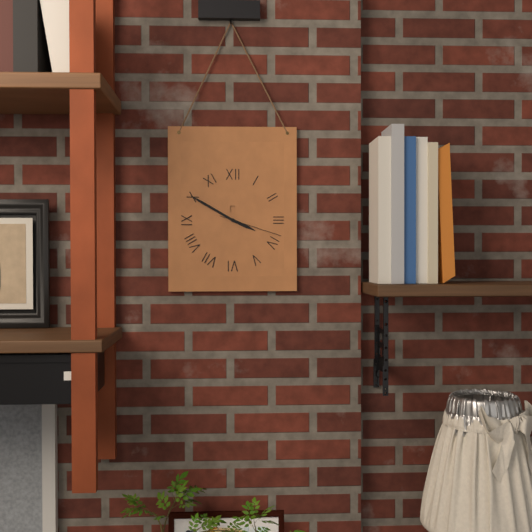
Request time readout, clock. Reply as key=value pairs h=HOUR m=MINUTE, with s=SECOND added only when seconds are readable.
h=3 m=50 s=18
